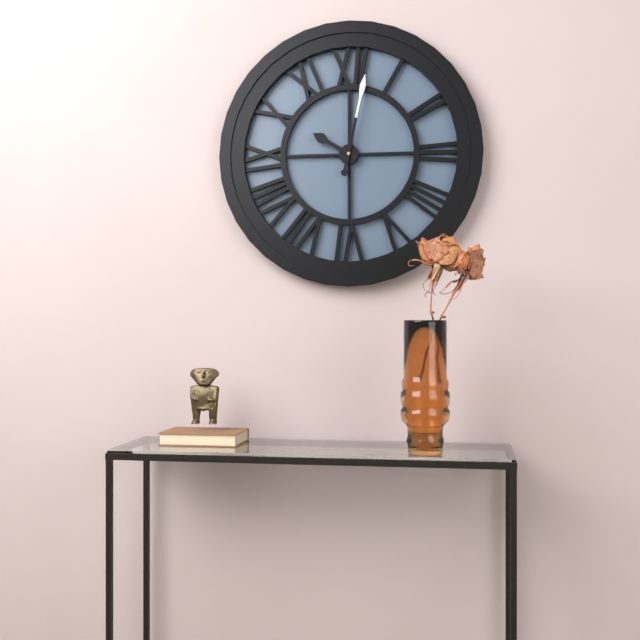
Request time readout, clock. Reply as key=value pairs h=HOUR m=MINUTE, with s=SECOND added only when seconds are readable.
h=10 m=2
